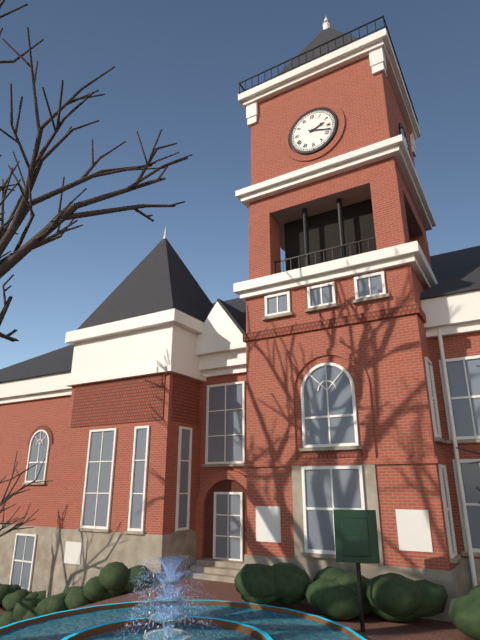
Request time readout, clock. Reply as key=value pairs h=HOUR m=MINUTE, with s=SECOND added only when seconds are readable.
h=2 m=18
